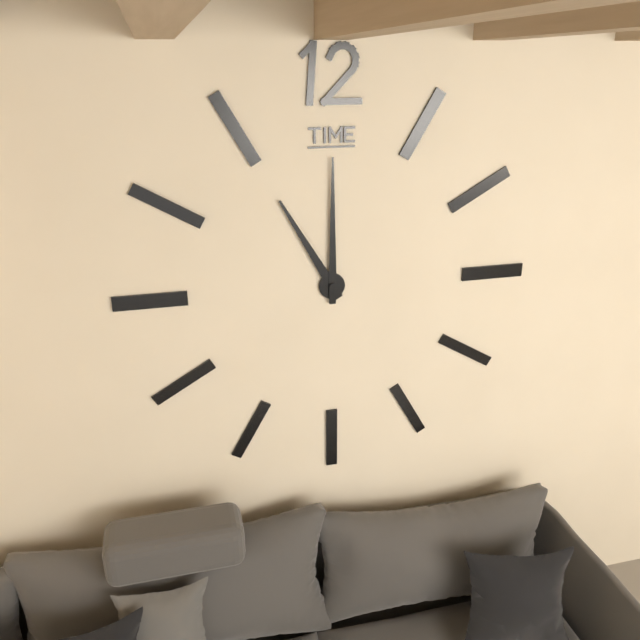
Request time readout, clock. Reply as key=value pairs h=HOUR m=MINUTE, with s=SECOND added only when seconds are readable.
h=11 m=0
